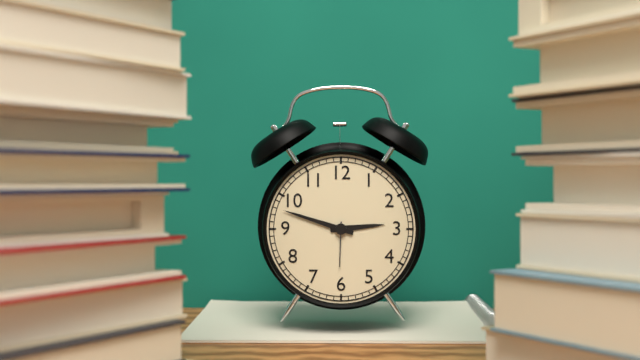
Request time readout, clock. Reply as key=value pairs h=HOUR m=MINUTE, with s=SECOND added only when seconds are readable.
h=2 m=48
